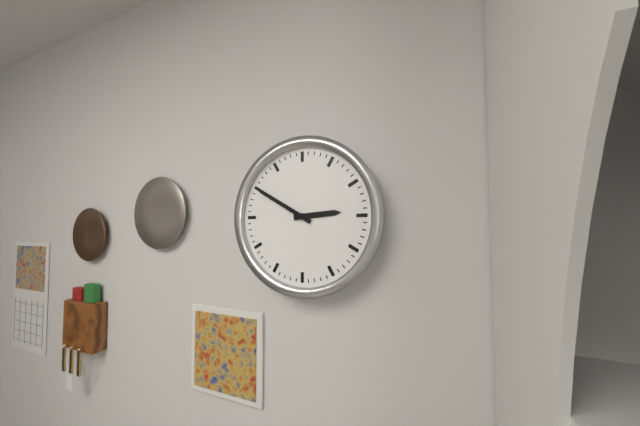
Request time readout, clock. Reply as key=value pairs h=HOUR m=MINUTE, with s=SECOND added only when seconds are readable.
h=2 m=50
